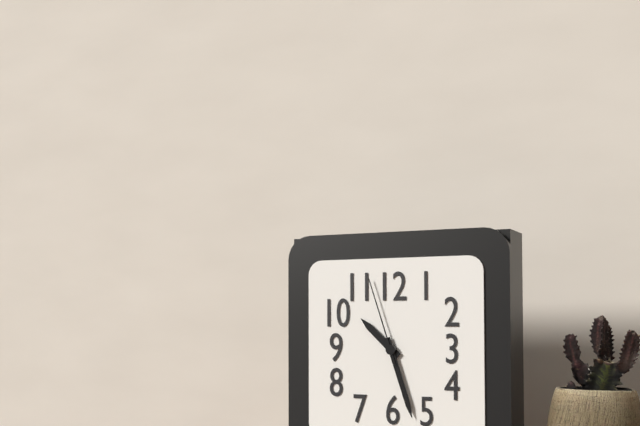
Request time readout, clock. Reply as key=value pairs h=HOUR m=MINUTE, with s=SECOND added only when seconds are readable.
h=10 m=27 s=57
